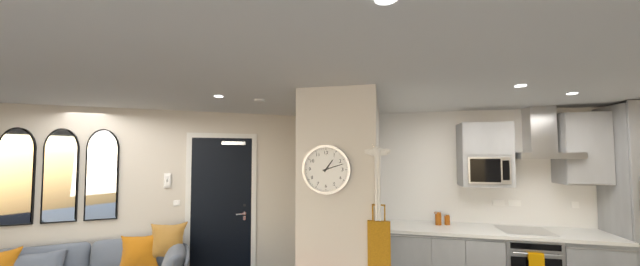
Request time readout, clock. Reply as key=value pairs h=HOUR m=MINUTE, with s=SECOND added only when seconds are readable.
h=1 m=12
